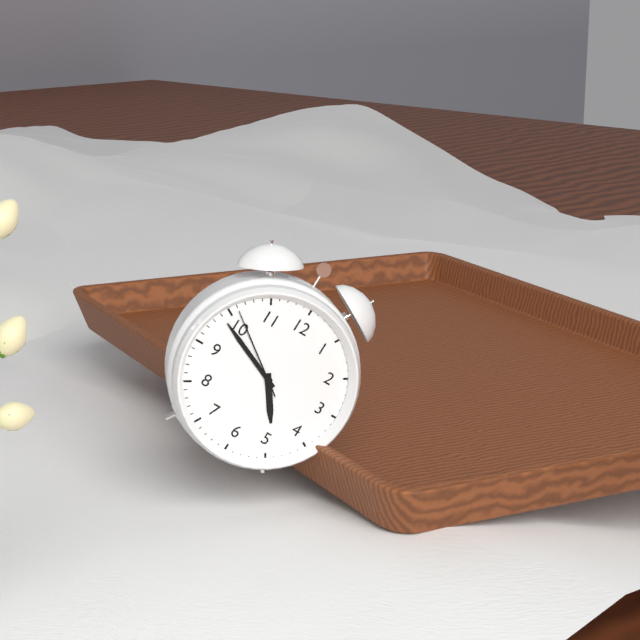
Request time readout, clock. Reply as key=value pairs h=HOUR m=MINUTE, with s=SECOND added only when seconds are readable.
h=4 m=49 s=51
